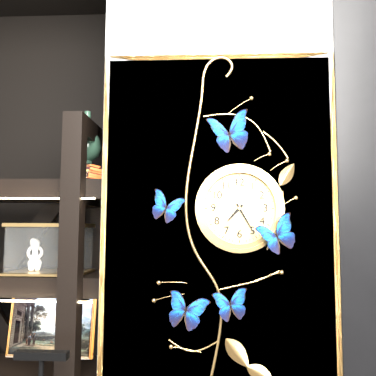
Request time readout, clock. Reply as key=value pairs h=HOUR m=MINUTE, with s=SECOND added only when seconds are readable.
h=7 m=25
